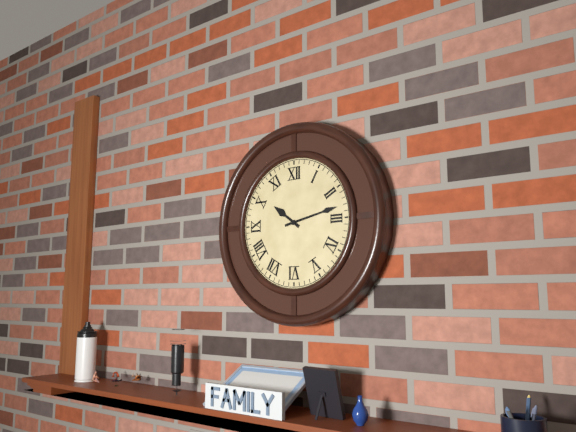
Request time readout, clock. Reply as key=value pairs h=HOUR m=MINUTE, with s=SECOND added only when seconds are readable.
h=10 m=13
